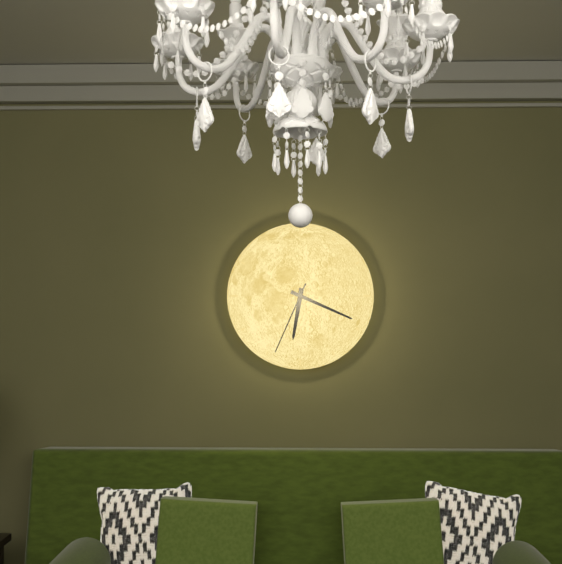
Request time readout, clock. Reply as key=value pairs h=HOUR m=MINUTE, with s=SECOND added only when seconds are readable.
h=6 m=19 s=34
